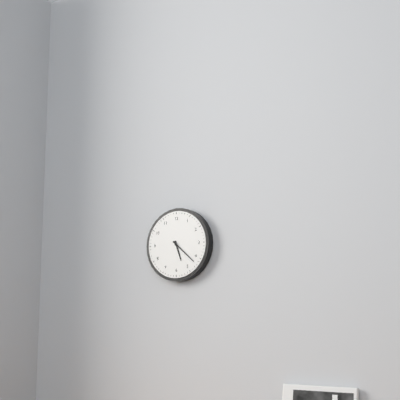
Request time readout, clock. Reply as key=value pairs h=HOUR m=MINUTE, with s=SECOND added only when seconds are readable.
h=5 m=22
